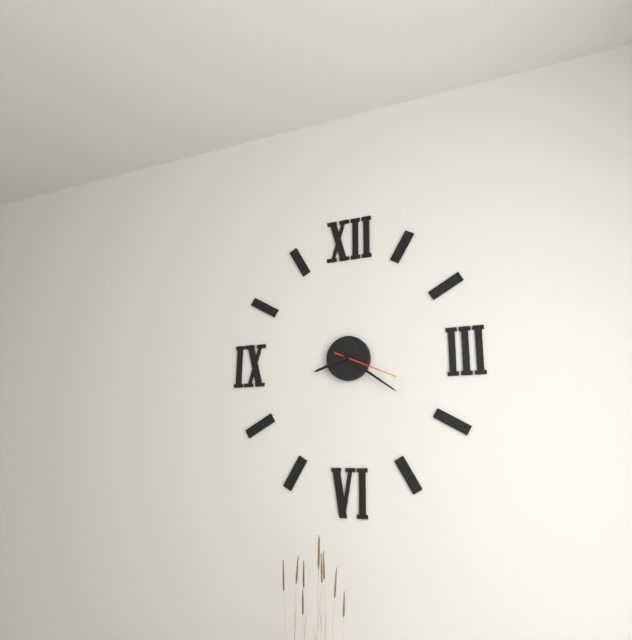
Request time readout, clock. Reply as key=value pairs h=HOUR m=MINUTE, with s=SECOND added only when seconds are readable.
h=8 m=21 s=19
